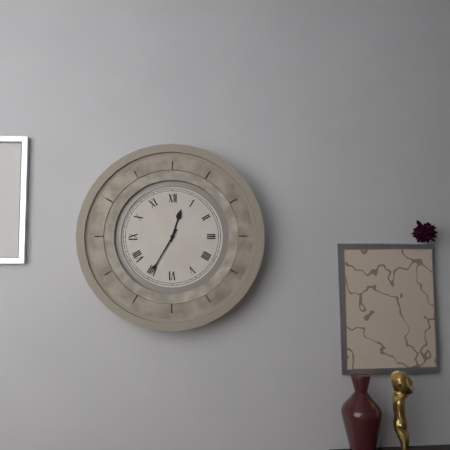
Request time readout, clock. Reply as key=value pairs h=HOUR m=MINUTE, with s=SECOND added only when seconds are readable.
h=12 m=35
